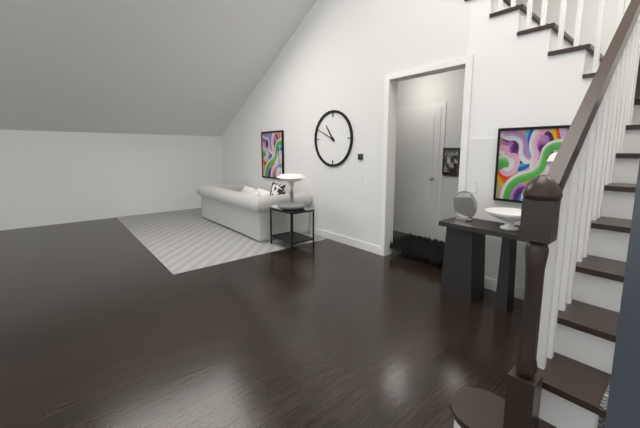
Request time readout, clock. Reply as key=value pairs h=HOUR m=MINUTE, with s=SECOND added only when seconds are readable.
h=10 m=49
